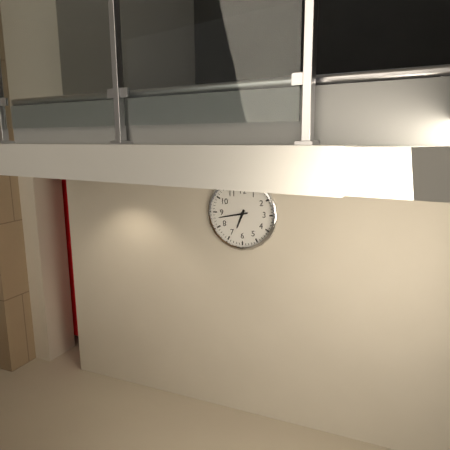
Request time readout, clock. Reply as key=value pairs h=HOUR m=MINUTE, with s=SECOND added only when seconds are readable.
h=6 m=43
